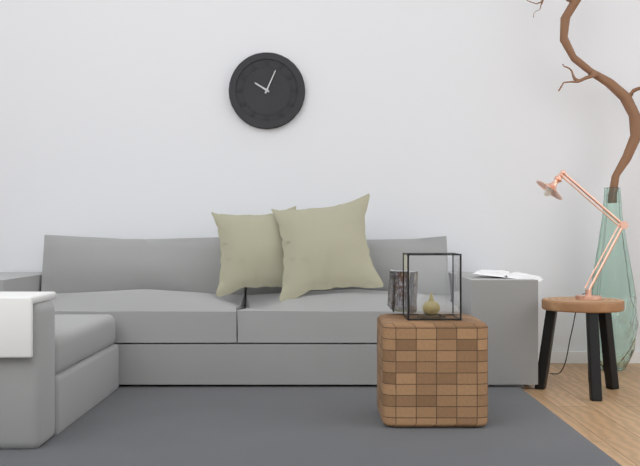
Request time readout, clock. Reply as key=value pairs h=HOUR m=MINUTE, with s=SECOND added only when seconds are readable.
h=10 m=4
